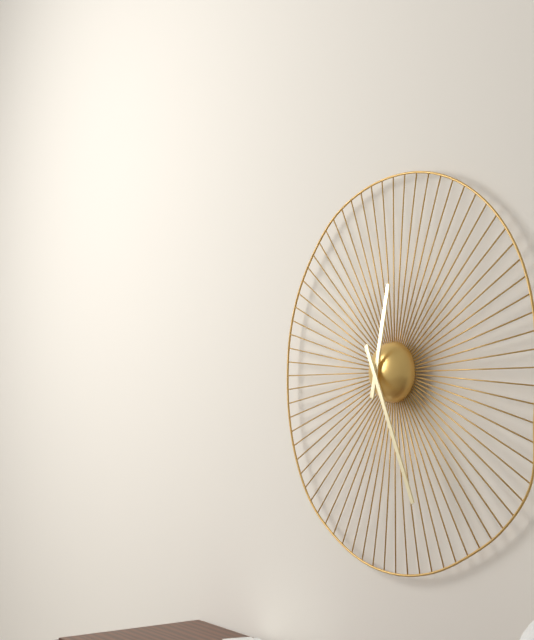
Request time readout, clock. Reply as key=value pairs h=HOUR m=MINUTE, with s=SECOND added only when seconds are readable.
h=12 m=26
